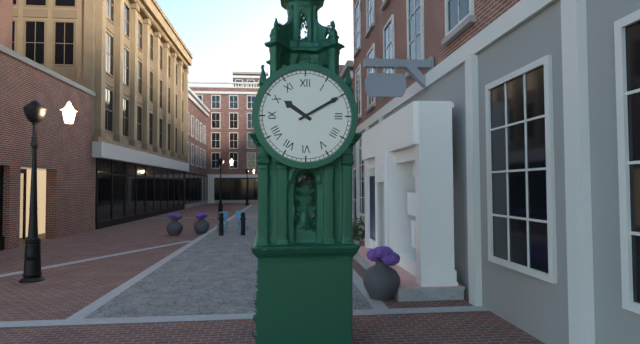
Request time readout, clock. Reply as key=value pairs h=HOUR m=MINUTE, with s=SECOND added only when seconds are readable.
h=10 m=10
